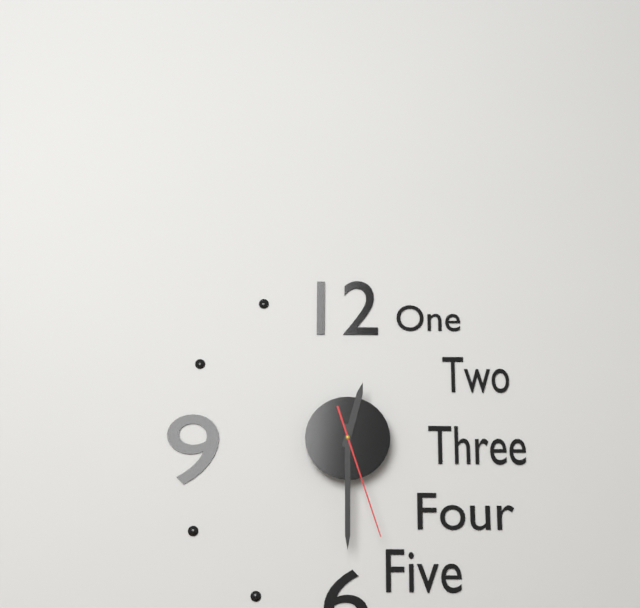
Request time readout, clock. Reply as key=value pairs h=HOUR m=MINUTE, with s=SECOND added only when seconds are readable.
h=12 m=30 s=27
